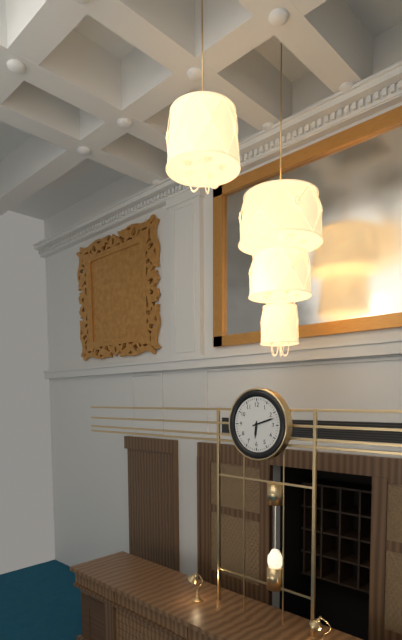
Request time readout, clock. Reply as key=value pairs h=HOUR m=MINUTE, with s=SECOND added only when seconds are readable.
h=6 m=12
